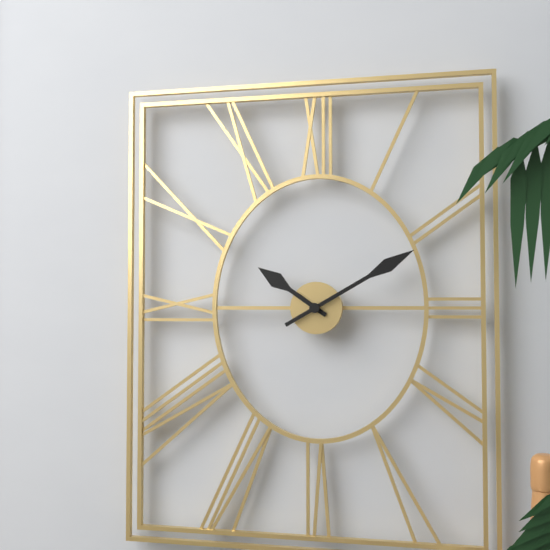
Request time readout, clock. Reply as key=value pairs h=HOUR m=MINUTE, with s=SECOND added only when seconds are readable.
h=10 m=10
